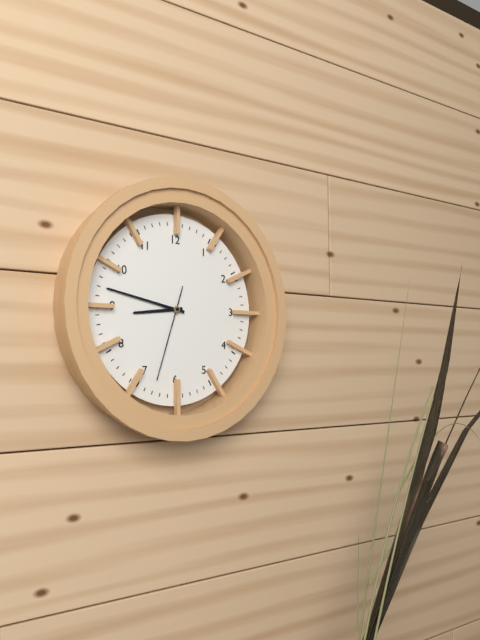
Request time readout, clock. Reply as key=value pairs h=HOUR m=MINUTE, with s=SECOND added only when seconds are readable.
h=8 m=47 s=33
